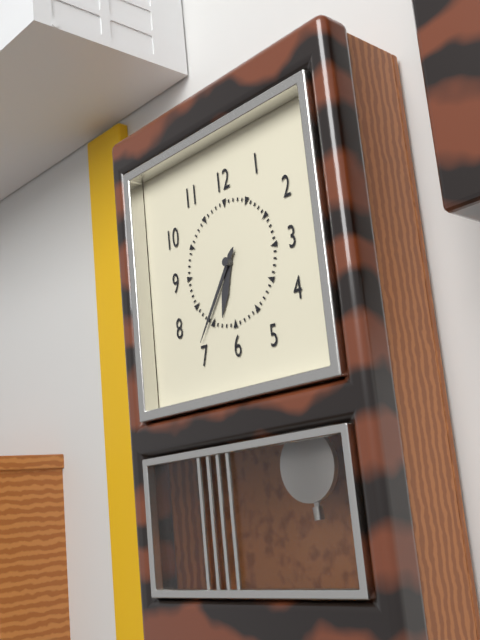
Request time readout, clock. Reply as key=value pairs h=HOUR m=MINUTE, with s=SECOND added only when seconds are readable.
h=6 m=36
